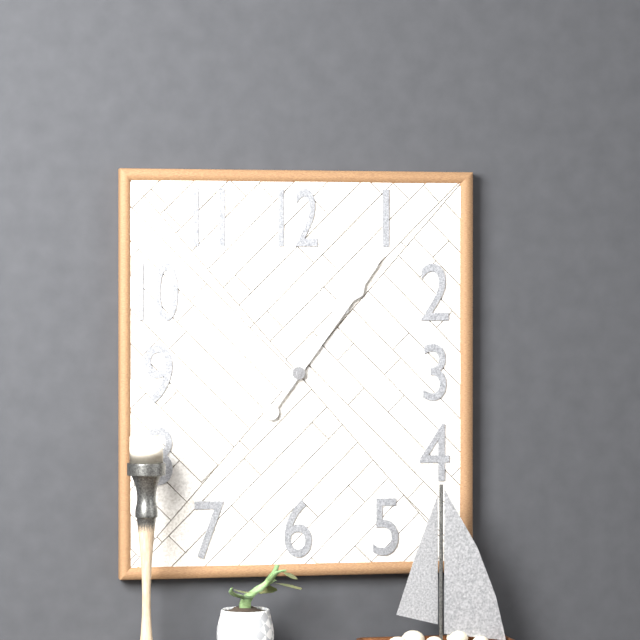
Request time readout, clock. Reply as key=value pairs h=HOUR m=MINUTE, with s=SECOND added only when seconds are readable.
h=1 m=6
